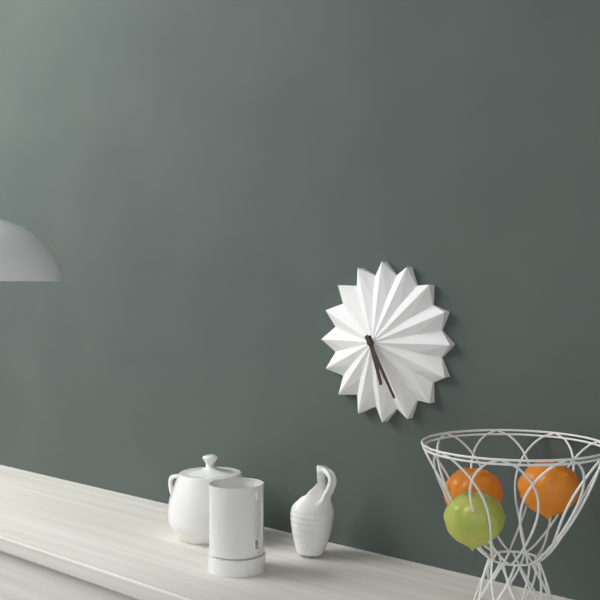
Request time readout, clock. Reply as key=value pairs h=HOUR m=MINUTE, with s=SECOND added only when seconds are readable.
h=5 m=25
